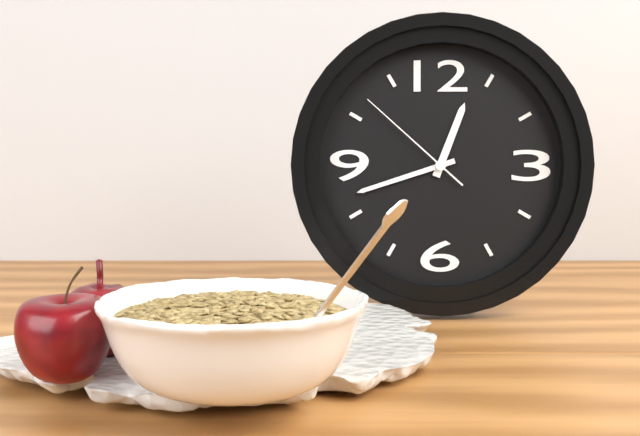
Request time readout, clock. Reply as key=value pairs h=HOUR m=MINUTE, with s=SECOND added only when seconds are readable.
h=12 m=42 s=52
